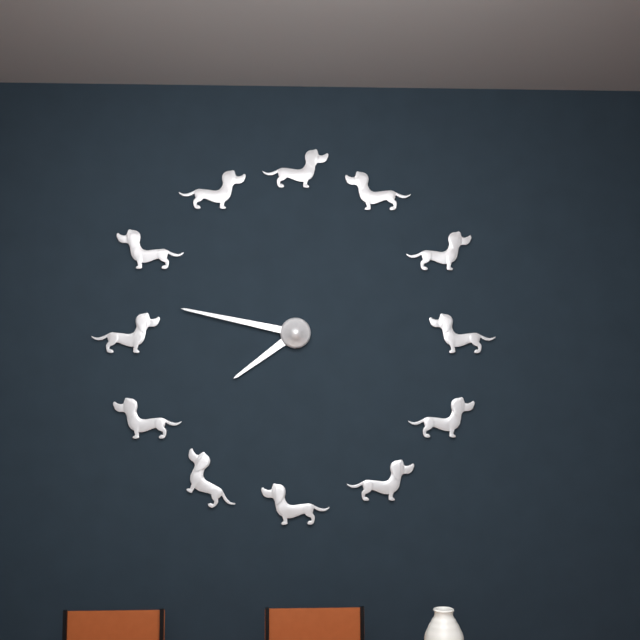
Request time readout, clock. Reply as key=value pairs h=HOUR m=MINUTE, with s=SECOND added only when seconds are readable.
h=7 m=47
